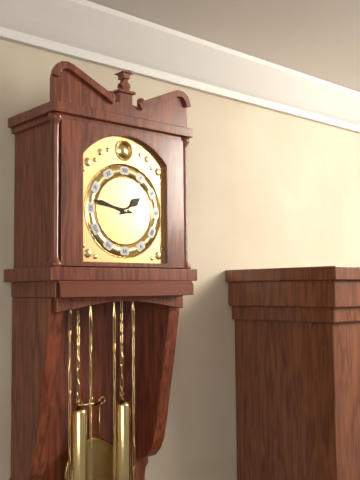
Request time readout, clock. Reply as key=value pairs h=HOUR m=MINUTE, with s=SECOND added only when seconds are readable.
h=1 m=47
